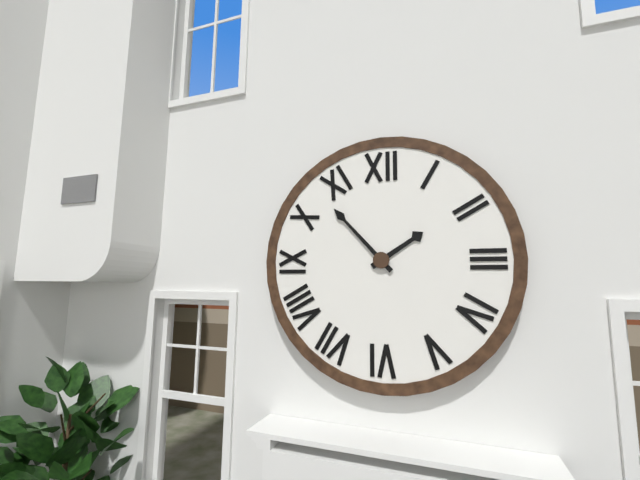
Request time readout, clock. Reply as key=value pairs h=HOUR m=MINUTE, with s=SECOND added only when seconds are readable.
h=1 m=53
